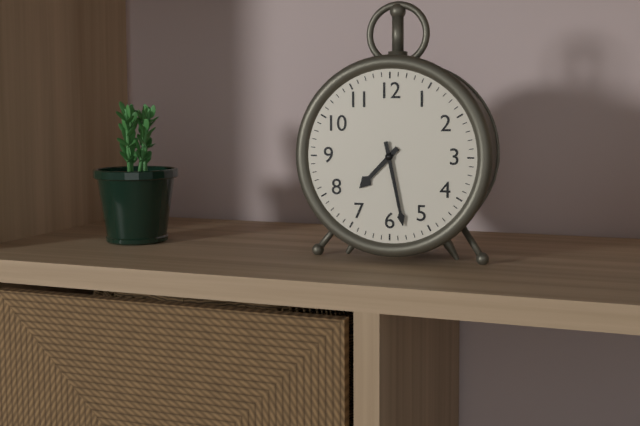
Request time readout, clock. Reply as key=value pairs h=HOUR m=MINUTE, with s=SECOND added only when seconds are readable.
h=7 m=28
